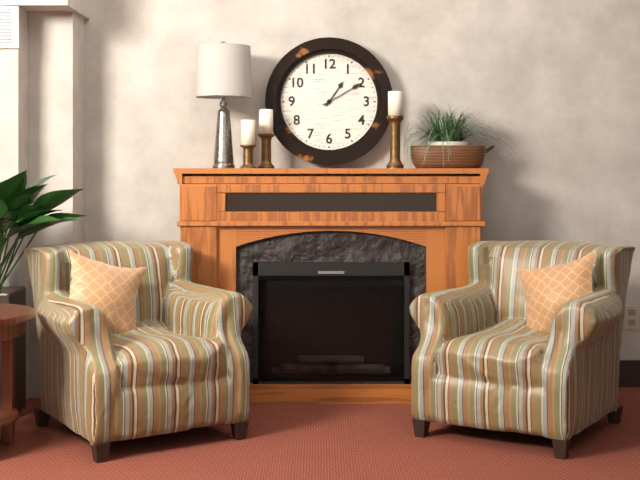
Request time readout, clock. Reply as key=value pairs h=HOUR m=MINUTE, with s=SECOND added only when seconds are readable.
h=1 m=10
